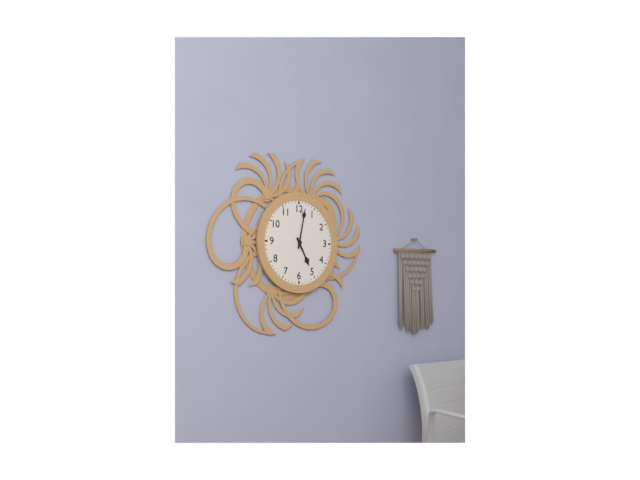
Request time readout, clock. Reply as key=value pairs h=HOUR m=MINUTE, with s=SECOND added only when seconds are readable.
h=5 m=2
